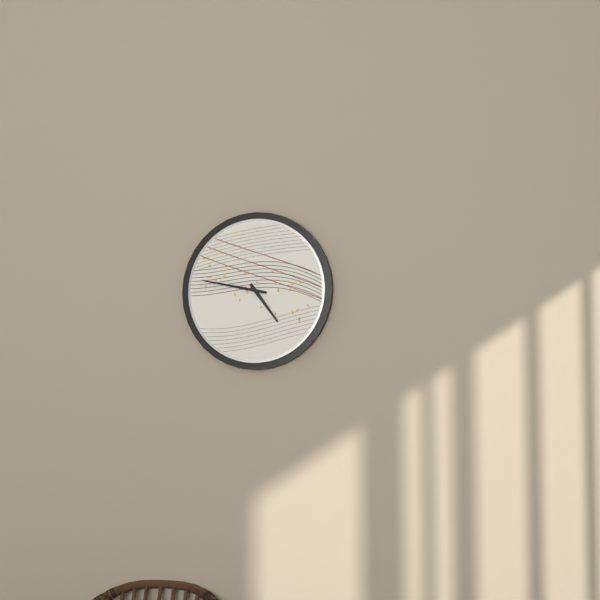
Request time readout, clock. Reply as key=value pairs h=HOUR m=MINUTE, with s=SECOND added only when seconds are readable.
h=4 m=47
